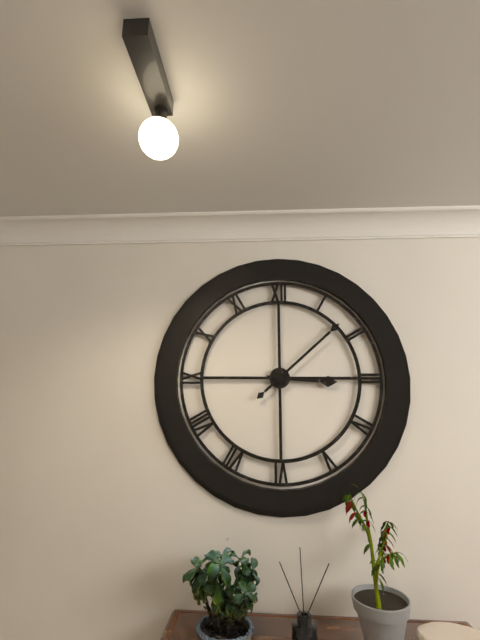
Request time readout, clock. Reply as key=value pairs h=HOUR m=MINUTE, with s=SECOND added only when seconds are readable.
h=3 m=8
